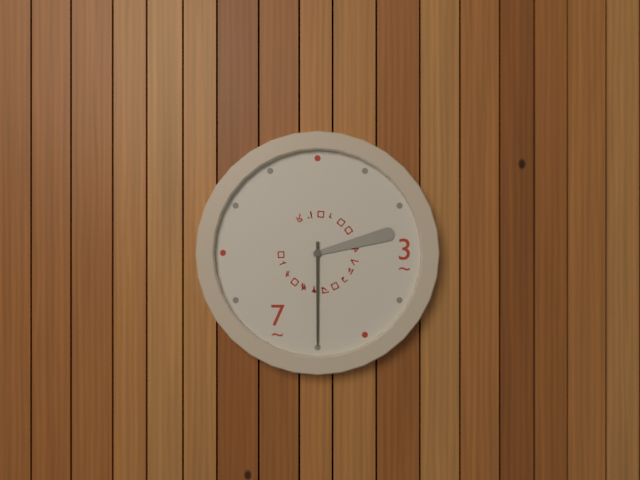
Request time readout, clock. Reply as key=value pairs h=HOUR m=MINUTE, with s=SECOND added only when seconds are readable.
h=2 m=30
